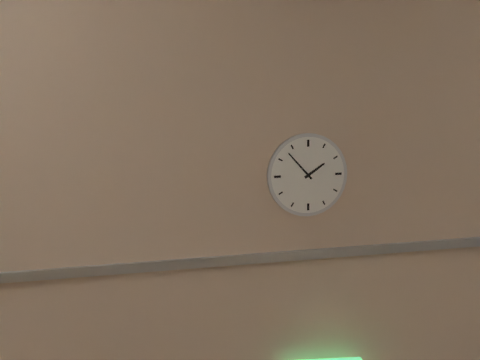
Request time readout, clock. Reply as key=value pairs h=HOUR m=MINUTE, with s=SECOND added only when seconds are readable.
h=1 m=53
